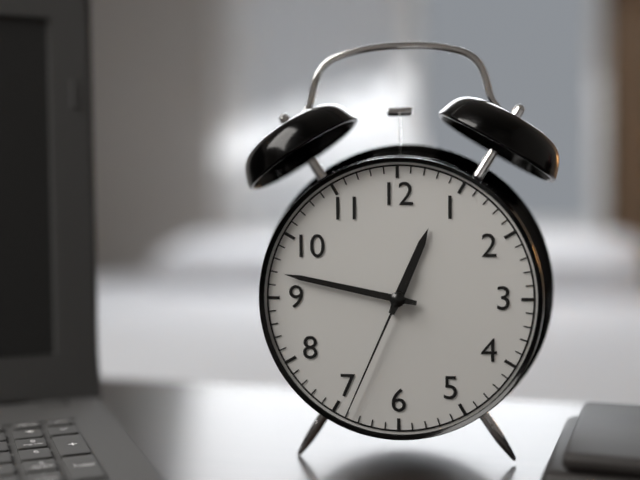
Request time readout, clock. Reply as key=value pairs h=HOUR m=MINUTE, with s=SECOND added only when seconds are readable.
h=12 m=47 s=34
